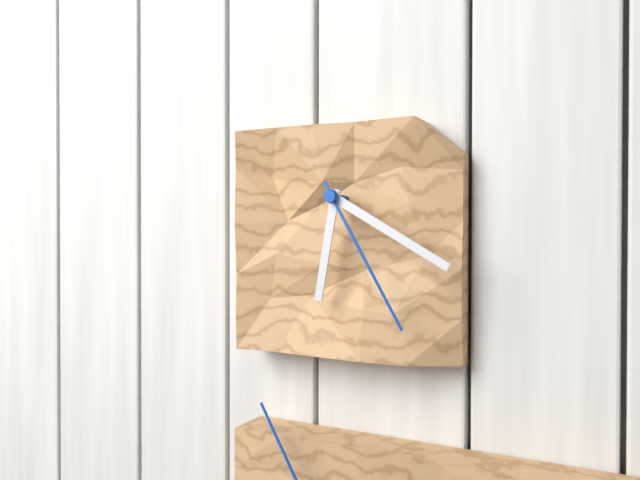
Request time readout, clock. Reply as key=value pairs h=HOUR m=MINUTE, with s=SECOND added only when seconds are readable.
h=6 m=20 s=25
